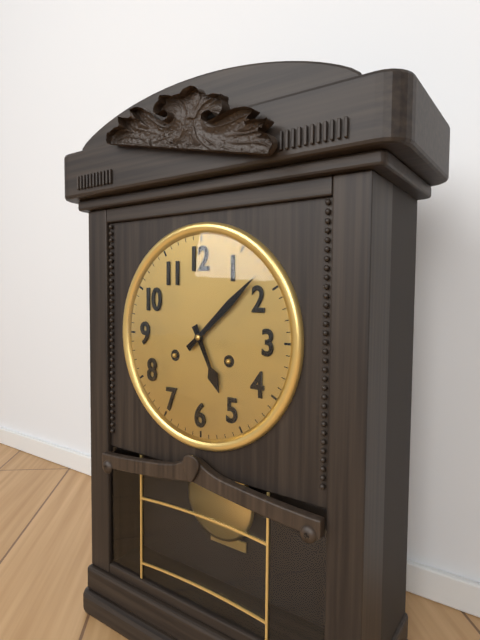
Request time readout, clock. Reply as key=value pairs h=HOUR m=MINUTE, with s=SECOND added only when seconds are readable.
h=5 m=8
